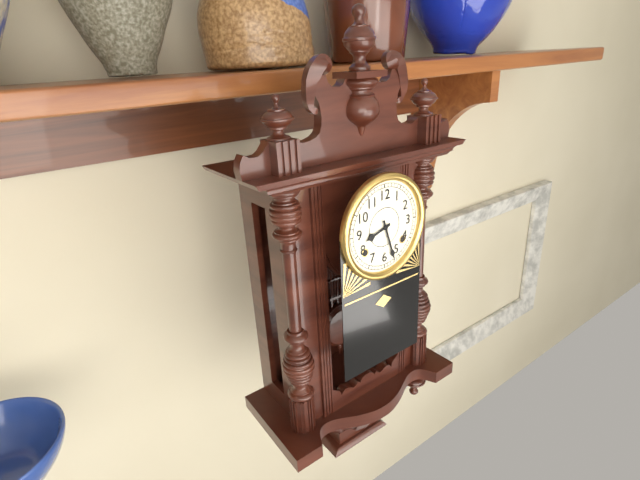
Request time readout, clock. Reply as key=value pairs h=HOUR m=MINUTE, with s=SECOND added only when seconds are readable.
h=8 m=27
